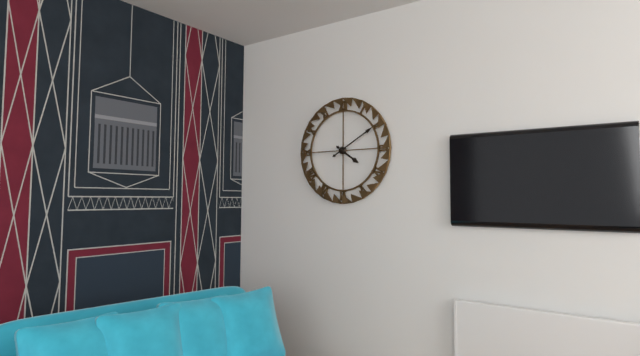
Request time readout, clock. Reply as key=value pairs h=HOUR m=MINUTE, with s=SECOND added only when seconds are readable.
h=4 m=10
